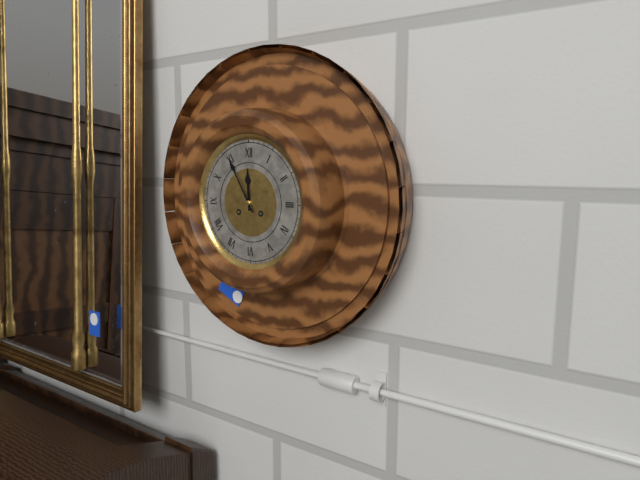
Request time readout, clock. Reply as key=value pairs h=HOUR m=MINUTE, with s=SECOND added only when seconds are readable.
h=11 m=55
